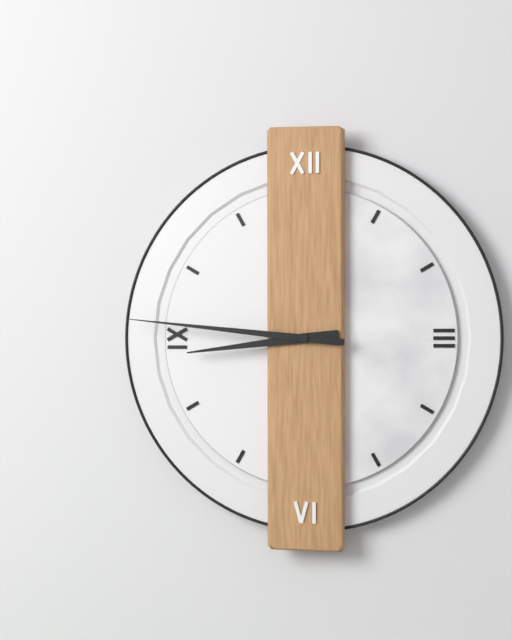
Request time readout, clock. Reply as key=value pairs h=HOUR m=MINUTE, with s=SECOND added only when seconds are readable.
h=8 m=46
